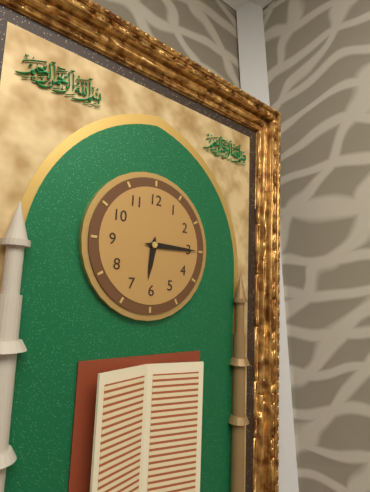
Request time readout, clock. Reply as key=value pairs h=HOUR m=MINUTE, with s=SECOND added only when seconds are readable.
h=6 m=15
